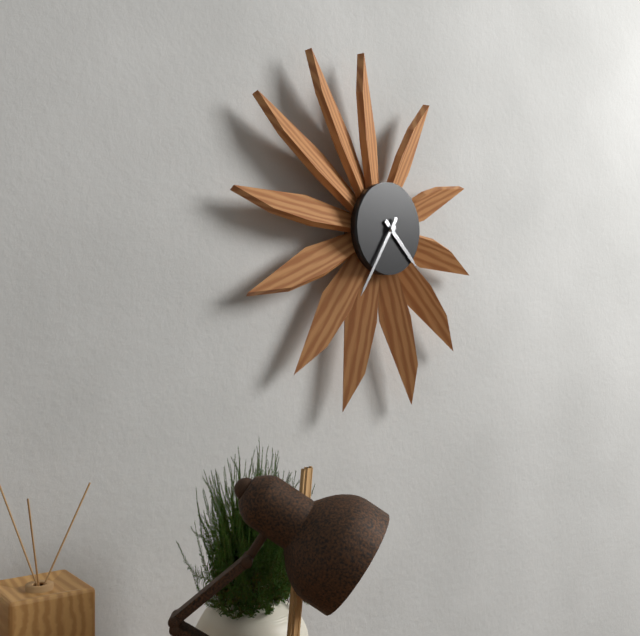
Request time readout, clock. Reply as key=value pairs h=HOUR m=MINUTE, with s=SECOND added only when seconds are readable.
h=4 m=35
